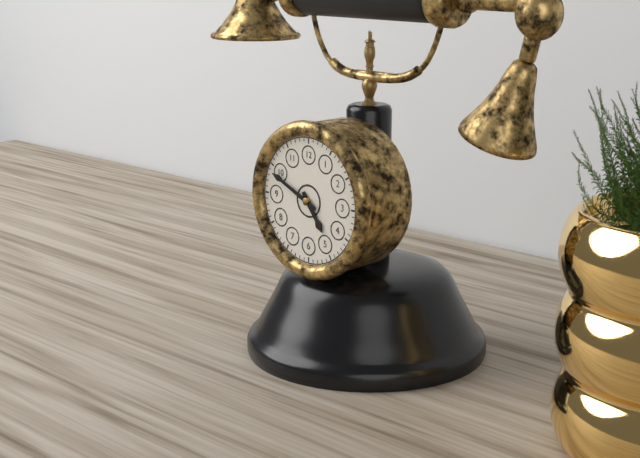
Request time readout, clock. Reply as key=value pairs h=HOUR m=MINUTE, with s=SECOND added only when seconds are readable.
h=4 m=49
